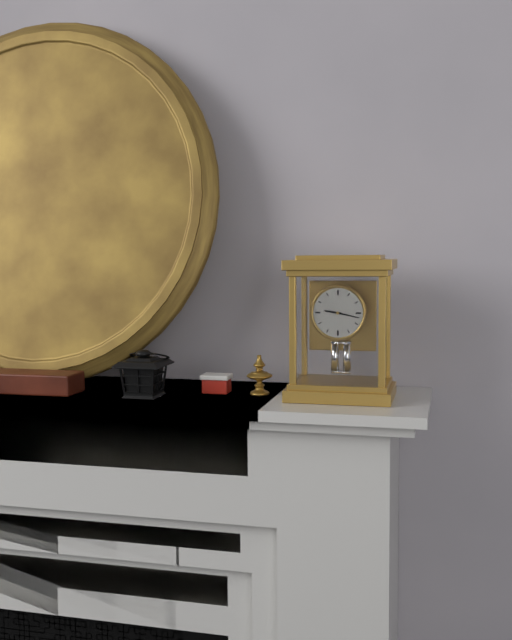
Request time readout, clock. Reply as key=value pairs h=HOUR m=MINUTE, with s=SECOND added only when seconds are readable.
h=9 m=17
